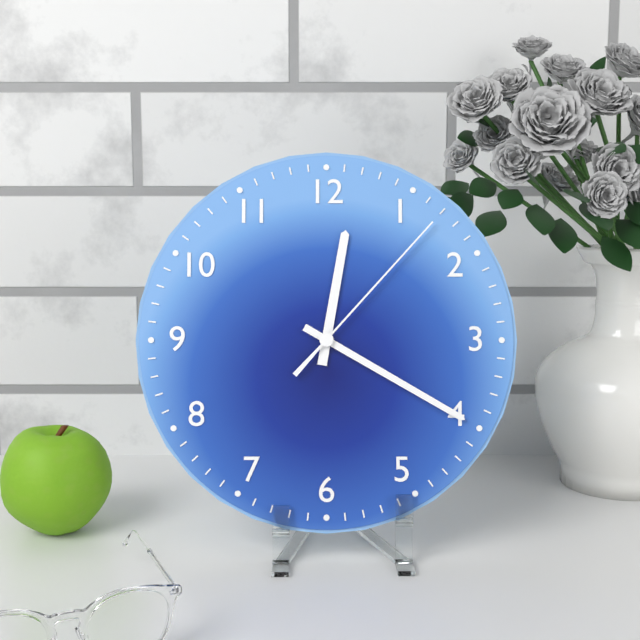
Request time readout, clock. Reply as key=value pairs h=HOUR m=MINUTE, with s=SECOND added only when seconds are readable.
h=12 m=20 s=7
